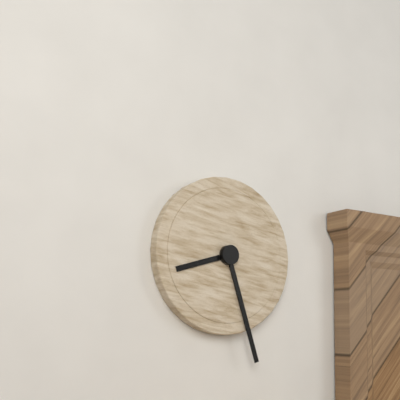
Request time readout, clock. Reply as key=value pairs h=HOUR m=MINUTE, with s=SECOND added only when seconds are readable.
h=8 m=27
